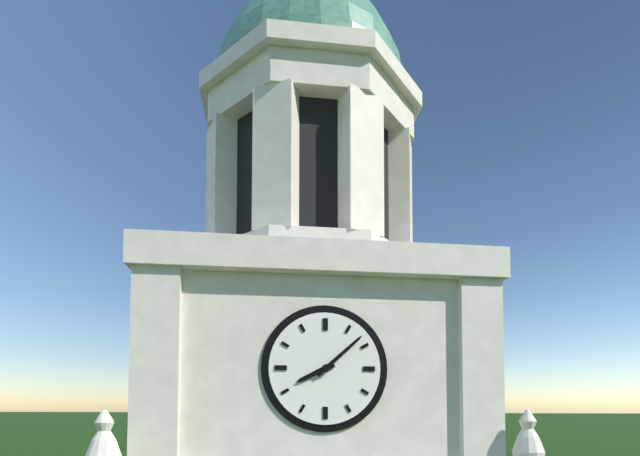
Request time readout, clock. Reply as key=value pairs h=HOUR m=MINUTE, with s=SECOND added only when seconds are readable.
h=8 m=8
